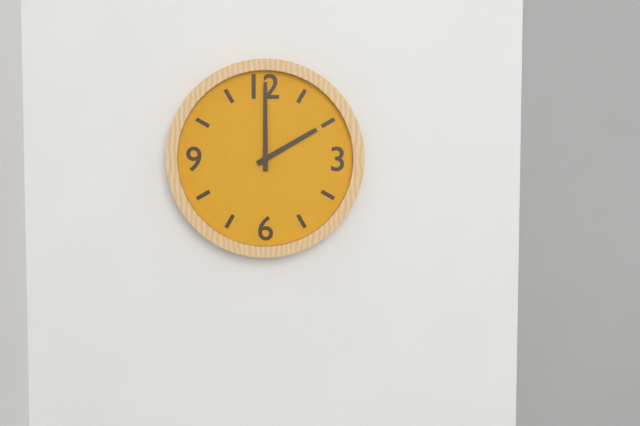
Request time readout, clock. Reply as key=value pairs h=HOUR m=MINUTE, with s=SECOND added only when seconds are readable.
h=2 m=0
